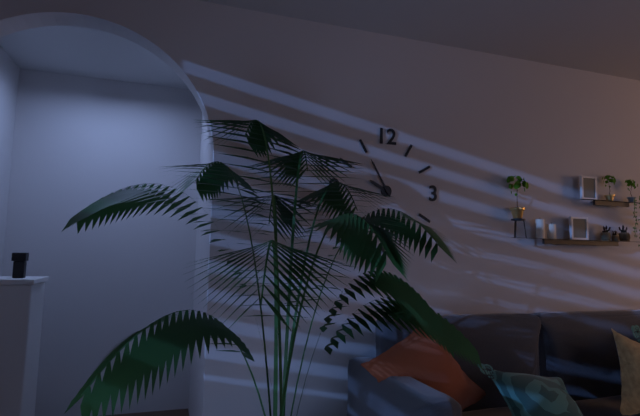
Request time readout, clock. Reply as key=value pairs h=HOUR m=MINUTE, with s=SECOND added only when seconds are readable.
h=9 m=55
